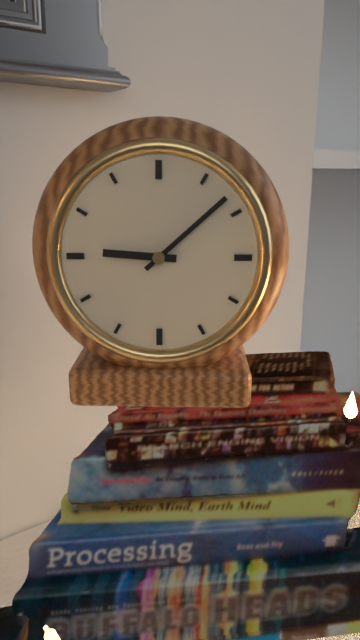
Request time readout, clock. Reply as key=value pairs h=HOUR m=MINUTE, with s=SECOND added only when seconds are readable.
h=9 m=8
